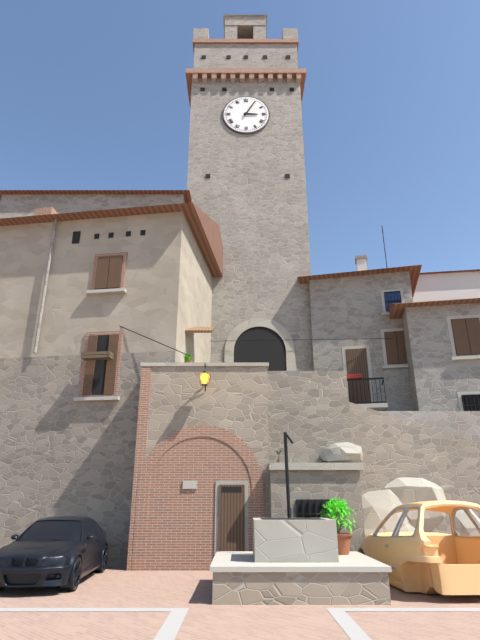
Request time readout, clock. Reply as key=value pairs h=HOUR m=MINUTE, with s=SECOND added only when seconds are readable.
h=3 m=5
